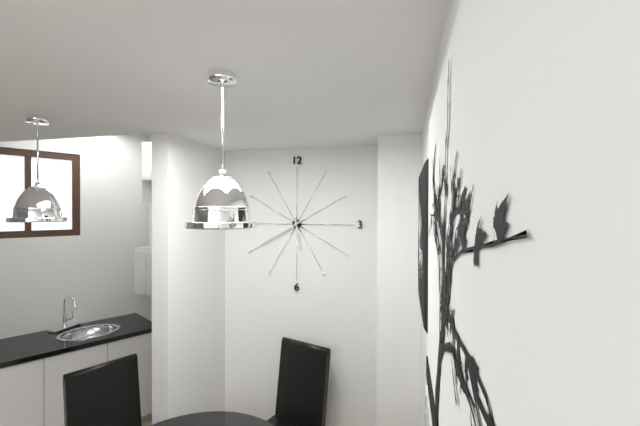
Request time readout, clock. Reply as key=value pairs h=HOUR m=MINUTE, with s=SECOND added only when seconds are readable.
h=5 m=40
